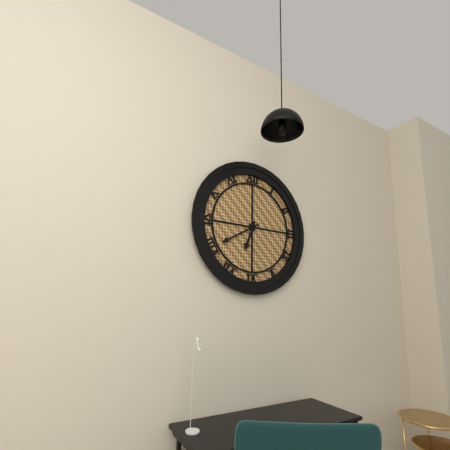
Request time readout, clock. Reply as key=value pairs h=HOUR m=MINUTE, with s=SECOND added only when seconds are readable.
h=6 m=40
